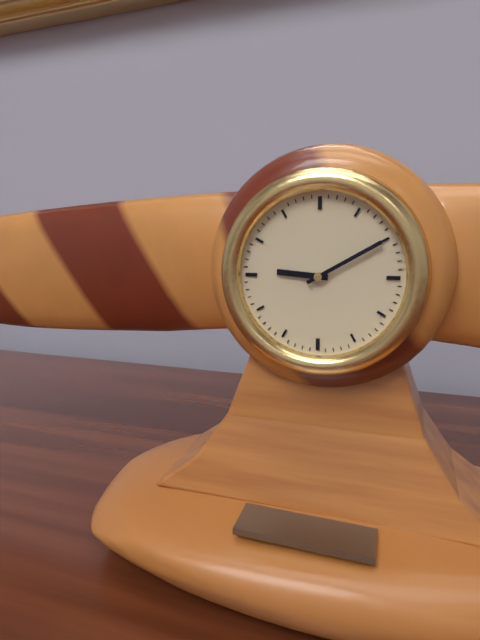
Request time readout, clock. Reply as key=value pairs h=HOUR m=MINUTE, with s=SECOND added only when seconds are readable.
h=9 m=10
